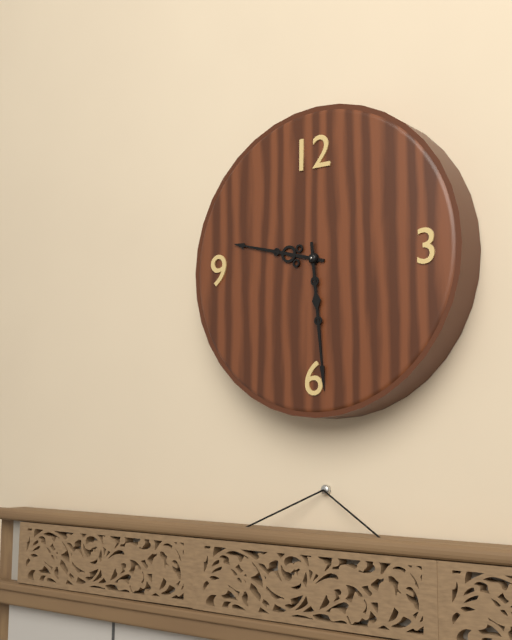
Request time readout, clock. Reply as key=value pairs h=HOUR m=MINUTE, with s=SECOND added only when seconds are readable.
h=9 m=29
